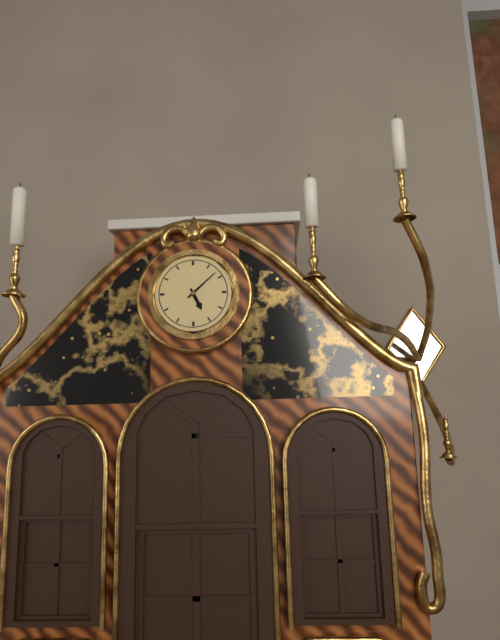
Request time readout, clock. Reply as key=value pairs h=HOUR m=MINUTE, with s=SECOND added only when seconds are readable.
h=5 m=8
